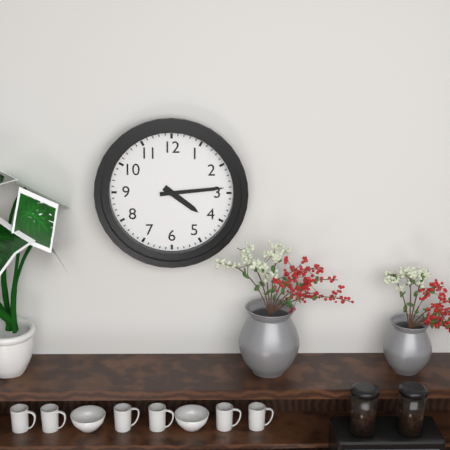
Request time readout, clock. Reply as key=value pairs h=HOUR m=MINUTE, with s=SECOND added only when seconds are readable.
h=4 m=14
